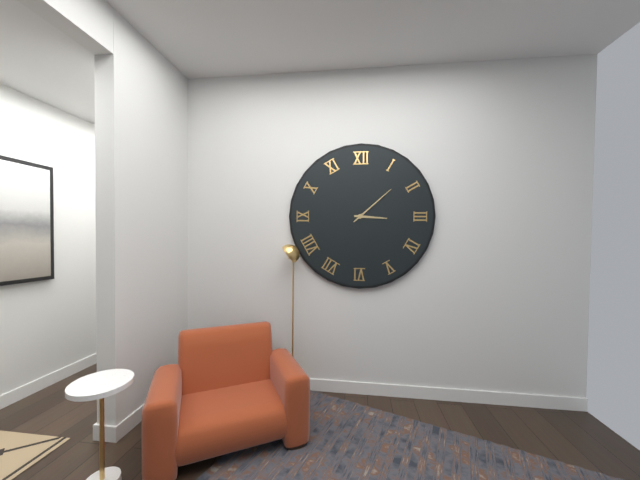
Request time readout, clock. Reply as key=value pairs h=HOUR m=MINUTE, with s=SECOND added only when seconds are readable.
h=3 m=8
